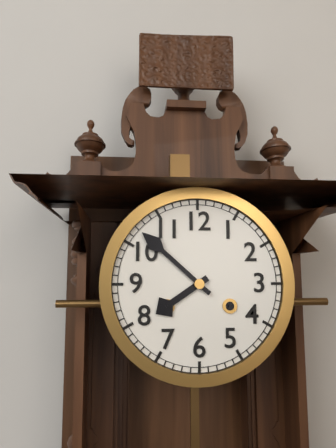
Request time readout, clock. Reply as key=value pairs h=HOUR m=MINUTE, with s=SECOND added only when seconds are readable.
h=7 m=52
